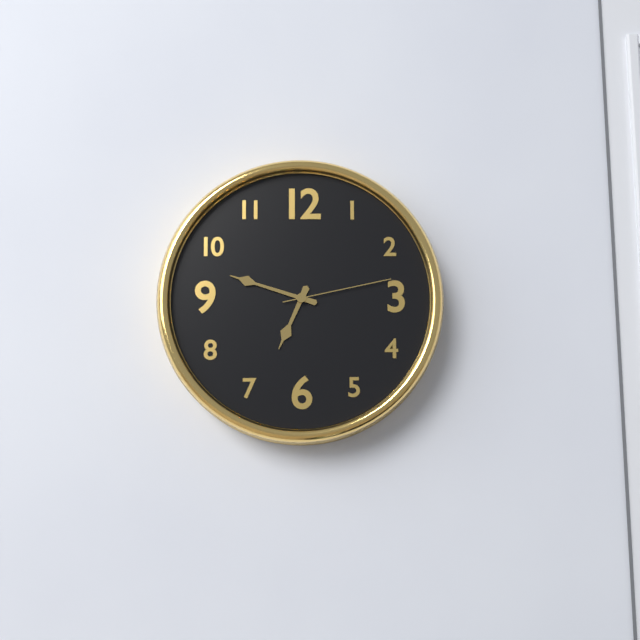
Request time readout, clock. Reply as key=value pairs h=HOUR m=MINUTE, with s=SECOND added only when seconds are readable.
h=6 m=48 s=13
